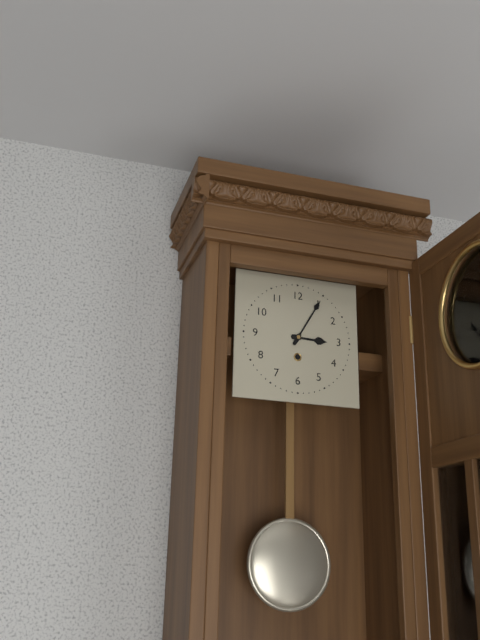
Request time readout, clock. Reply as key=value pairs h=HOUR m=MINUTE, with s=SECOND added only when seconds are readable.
h=3 m=5
